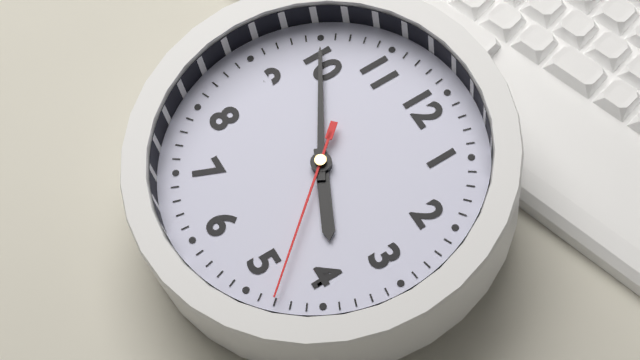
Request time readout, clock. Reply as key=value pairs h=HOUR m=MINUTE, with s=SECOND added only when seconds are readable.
h=3 m=50 s=23
